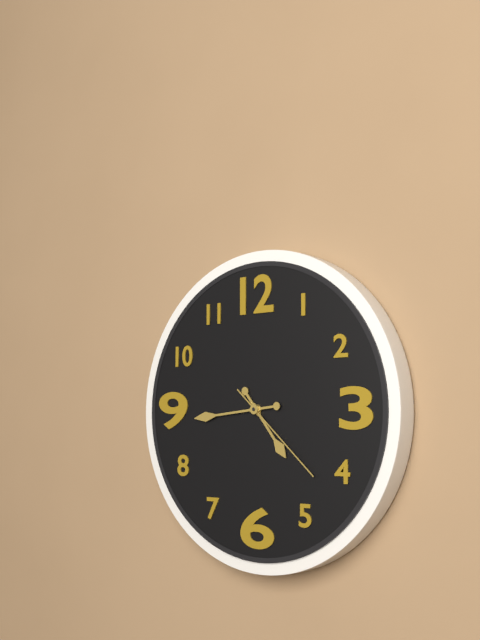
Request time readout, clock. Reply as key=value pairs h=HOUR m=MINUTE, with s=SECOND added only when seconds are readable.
h=4 m=44 s=22
